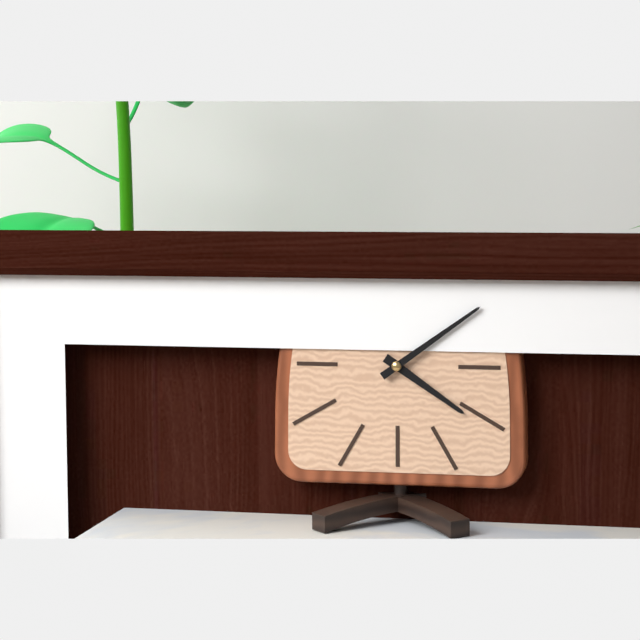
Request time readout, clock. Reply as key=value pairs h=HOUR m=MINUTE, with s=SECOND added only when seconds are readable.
h=4 m=9
